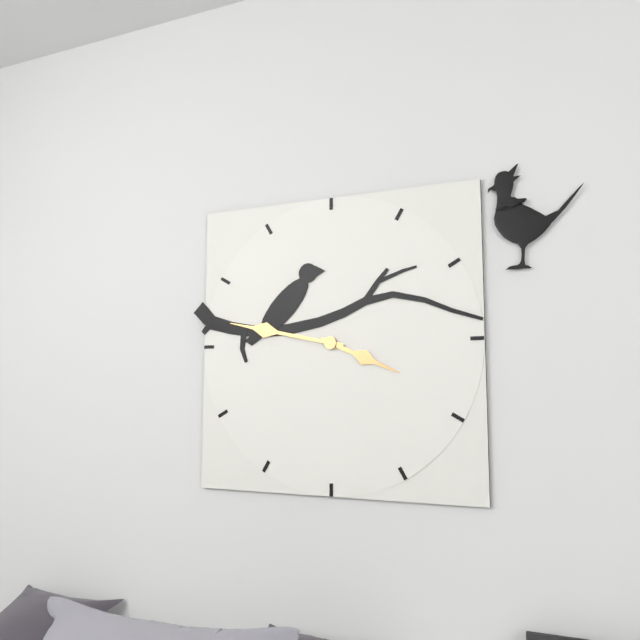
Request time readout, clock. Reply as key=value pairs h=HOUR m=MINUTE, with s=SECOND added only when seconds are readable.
h=3 m=47
